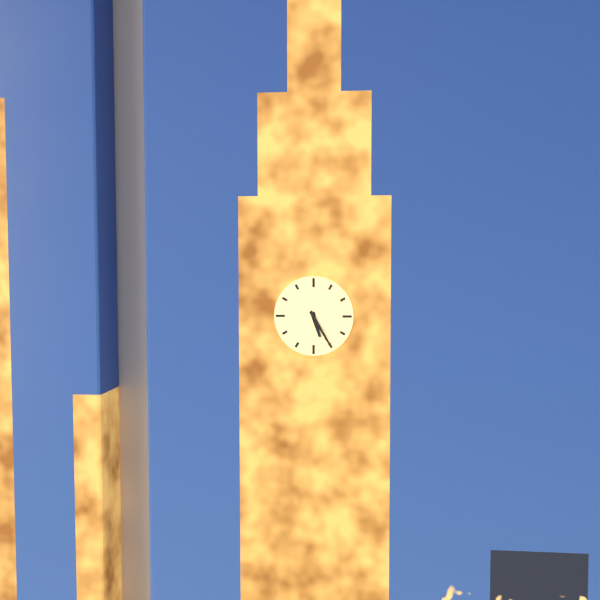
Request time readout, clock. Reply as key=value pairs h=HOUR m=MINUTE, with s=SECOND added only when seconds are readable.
h=5 m=25
